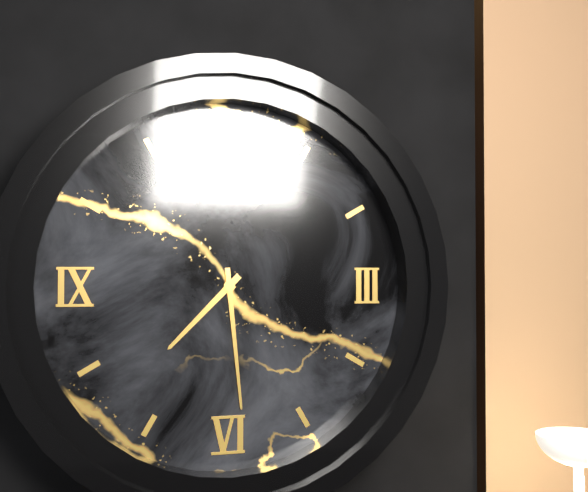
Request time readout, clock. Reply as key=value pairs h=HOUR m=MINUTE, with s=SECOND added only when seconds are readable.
h=7 m=29
